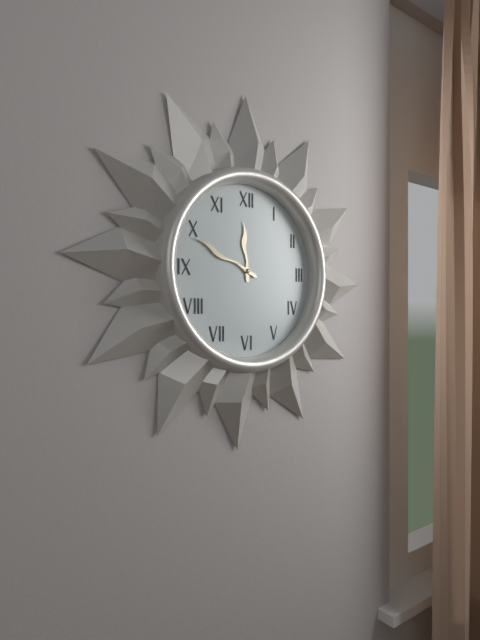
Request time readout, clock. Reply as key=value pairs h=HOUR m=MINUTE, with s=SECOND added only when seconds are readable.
h=11 m=49
